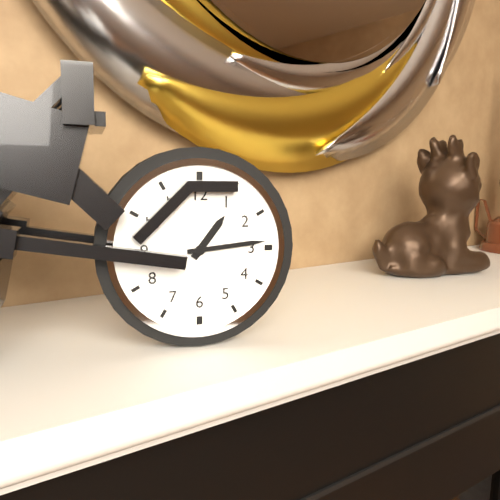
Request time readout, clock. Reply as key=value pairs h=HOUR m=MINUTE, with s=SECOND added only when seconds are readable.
h=1 m=14
